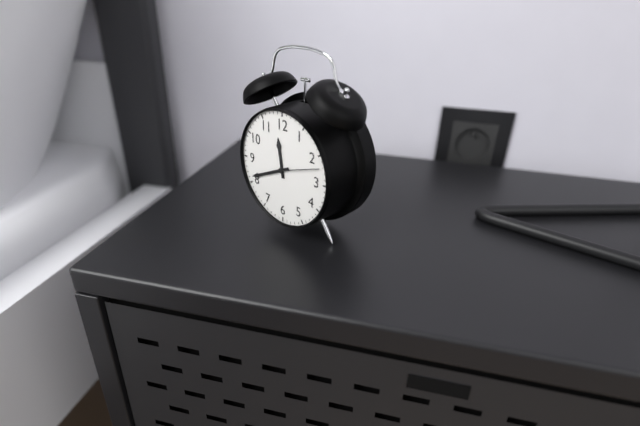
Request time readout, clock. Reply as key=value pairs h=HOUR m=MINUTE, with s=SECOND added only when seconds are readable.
h=11 m=41
